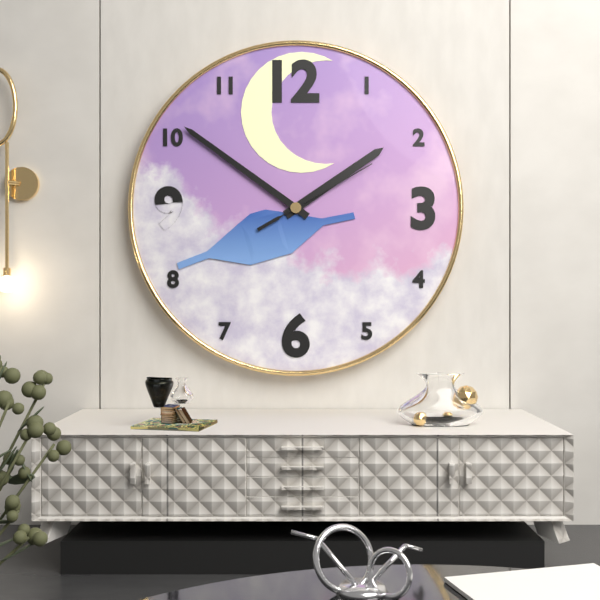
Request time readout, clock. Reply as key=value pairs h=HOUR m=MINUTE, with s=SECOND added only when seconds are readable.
h=1 m=51 s=10
